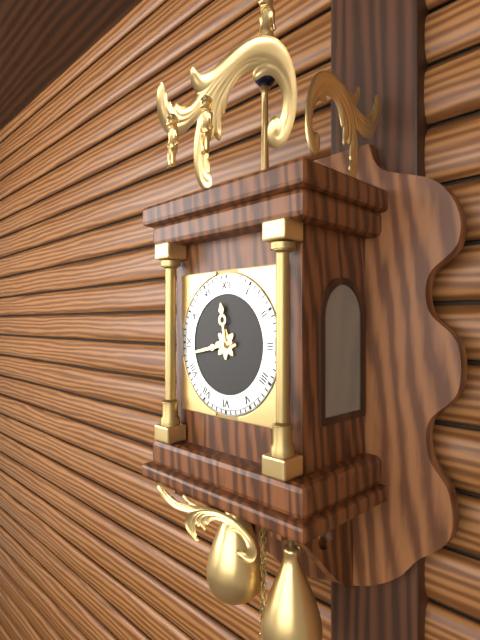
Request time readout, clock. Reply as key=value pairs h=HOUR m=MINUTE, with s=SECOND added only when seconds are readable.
h=11 m=43
